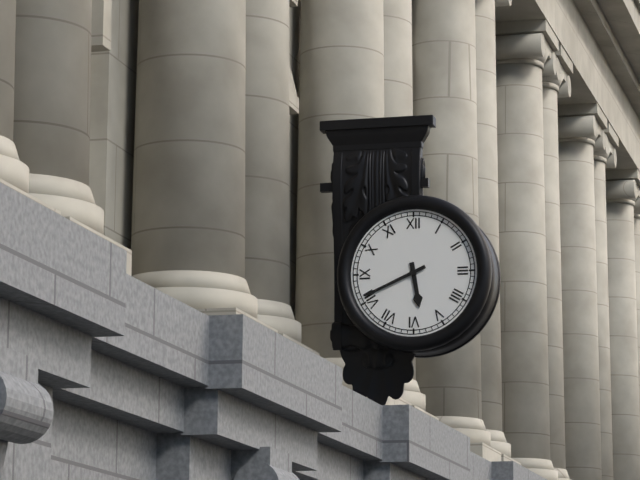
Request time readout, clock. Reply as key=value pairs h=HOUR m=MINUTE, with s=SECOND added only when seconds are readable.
h=5 m=41
